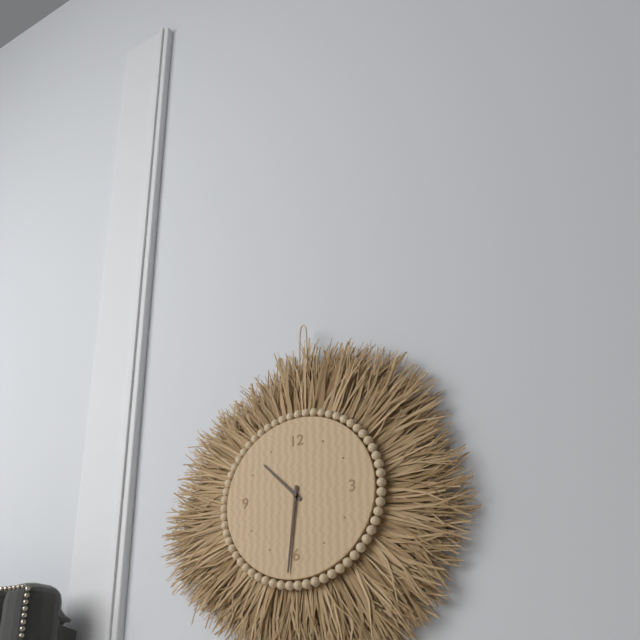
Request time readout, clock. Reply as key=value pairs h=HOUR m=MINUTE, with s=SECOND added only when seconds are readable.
h=10 m=31
